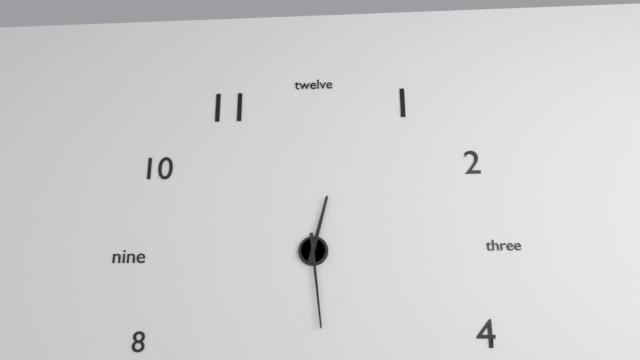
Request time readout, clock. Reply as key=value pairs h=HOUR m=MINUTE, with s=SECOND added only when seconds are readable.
h=12 m=29
